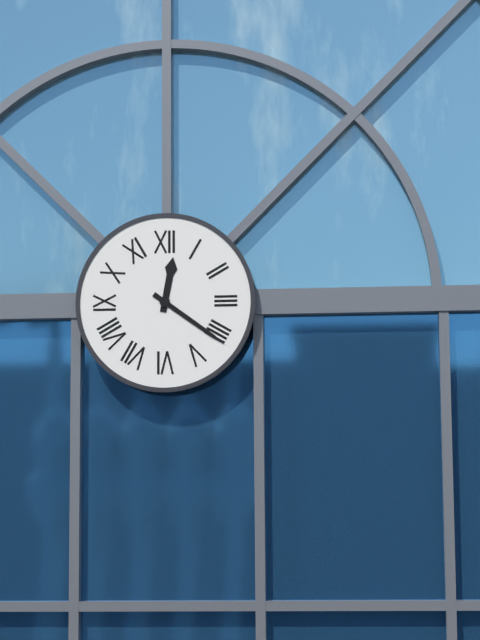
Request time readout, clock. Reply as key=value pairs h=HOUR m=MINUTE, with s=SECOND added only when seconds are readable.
h=12 m=21
